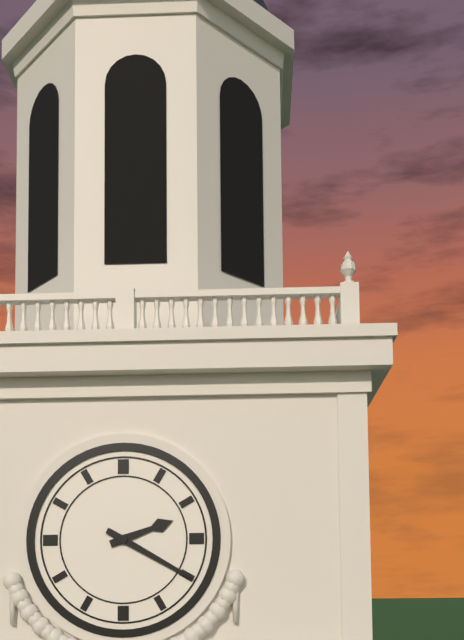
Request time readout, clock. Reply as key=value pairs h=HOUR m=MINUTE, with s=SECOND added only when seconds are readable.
h=2 m=20
